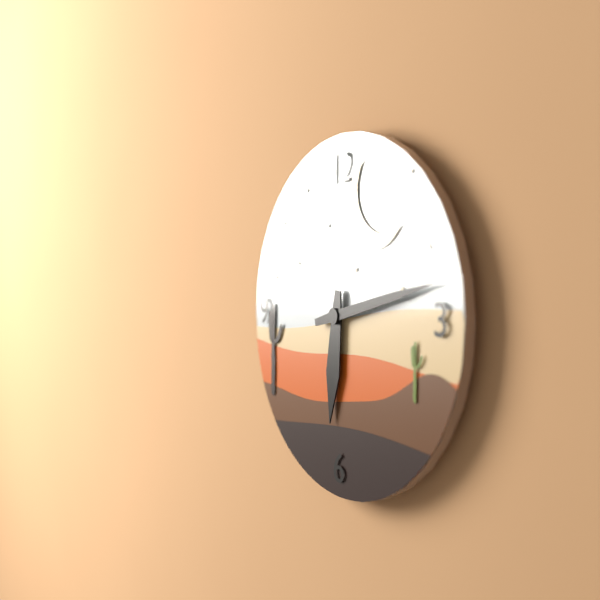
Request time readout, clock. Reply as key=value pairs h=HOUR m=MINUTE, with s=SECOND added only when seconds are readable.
h=6 m=13
